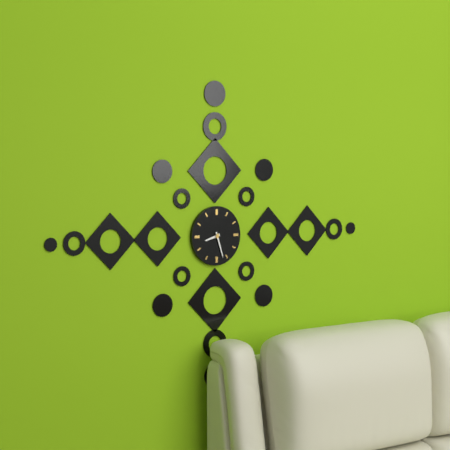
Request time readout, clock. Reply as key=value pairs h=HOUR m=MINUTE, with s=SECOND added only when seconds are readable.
h=8 m=27
